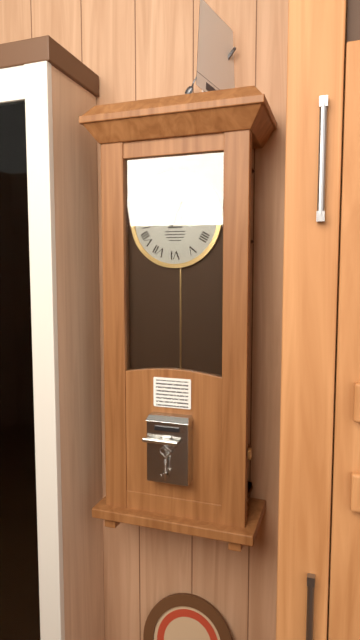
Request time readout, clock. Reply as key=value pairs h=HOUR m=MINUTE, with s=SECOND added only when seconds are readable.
h=12 m=43
